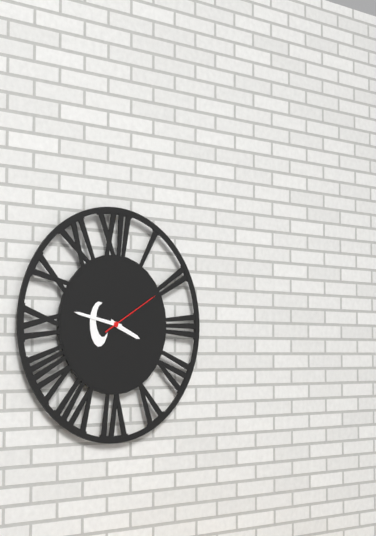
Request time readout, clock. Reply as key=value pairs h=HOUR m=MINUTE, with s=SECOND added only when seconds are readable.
h=3 m=47 s=10
